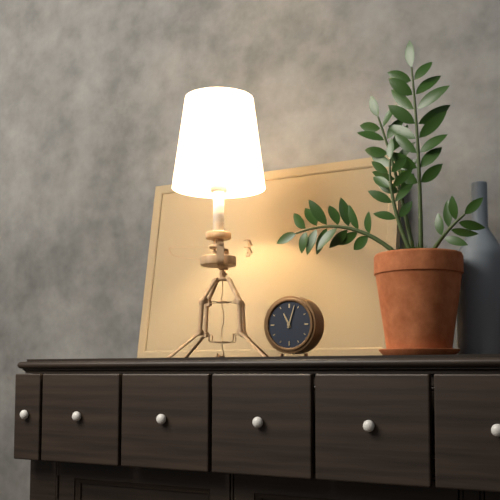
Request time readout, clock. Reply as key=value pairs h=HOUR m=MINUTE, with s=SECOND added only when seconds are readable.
h=11 m=3
